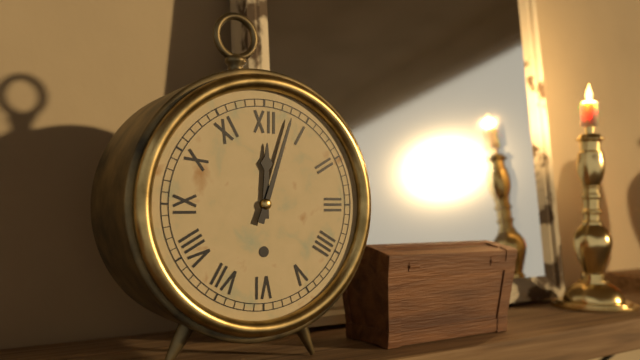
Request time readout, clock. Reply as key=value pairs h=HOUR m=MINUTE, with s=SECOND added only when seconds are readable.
h=12 m=3
